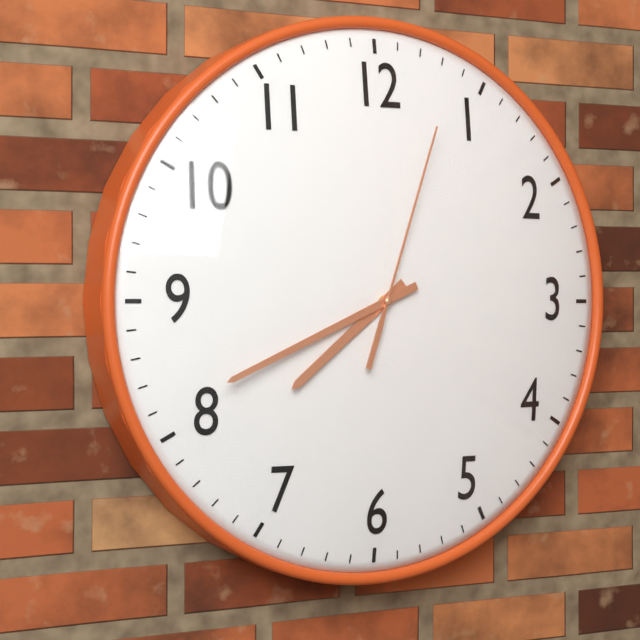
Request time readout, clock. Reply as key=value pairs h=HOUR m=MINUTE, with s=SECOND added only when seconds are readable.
h=7 m=41 s=3
